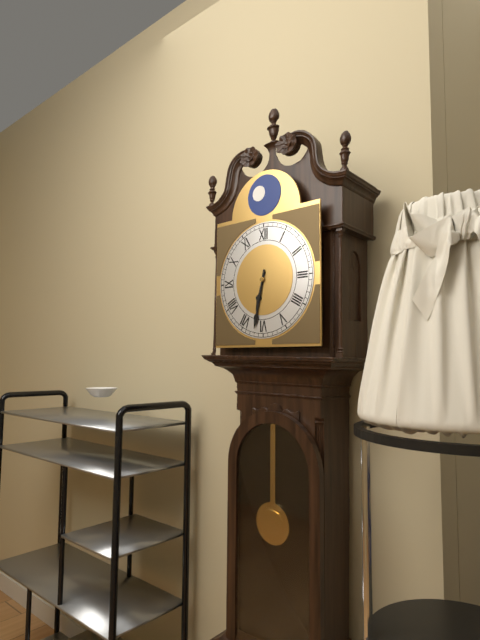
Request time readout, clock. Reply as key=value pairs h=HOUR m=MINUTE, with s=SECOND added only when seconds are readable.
h=6 m=32
